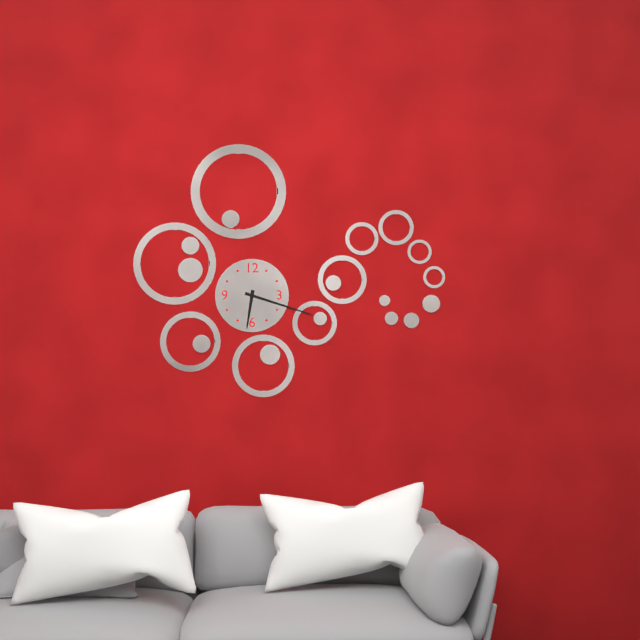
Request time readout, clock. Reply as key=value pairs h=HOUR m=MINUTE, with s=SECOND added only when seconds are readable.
h=6 m=18
